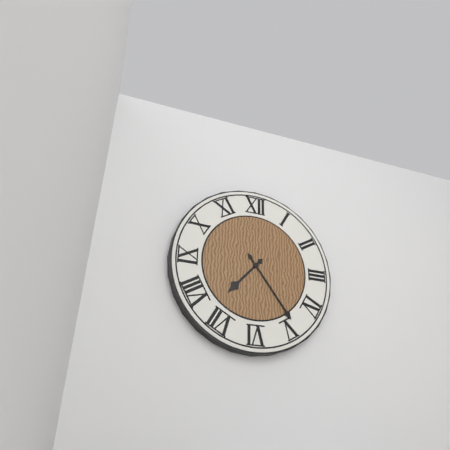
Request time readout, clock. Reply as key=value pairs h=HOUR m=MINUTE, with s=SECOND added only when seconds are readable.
h=7 m=24
